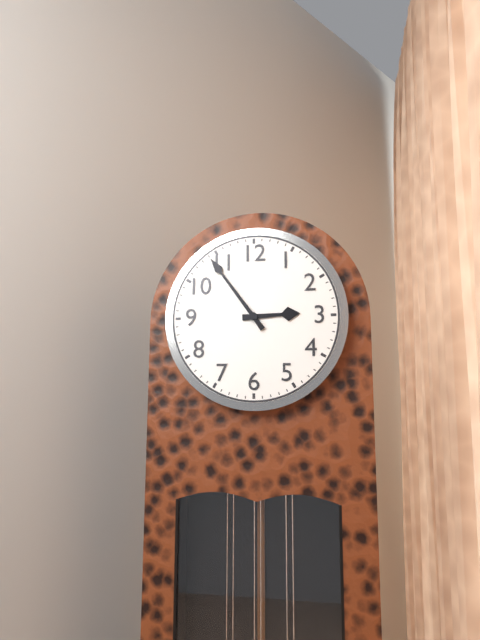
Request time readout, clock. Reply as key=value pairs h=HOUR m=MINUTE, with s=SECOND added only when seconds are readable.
h=2 m=54
